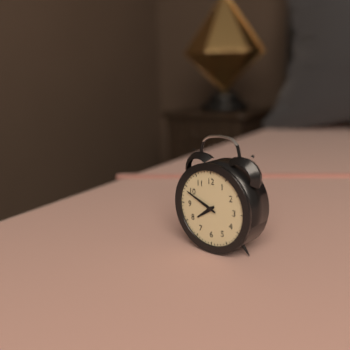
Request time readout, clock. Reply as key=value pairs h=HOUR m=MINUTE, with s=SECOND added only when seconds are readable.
h=7 m=49
